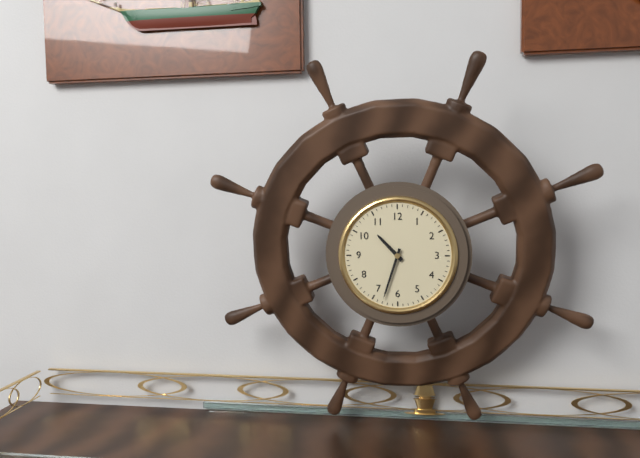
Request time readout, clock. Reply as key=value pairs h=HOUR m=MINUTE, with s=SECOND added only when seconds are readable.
h=10 m=33
